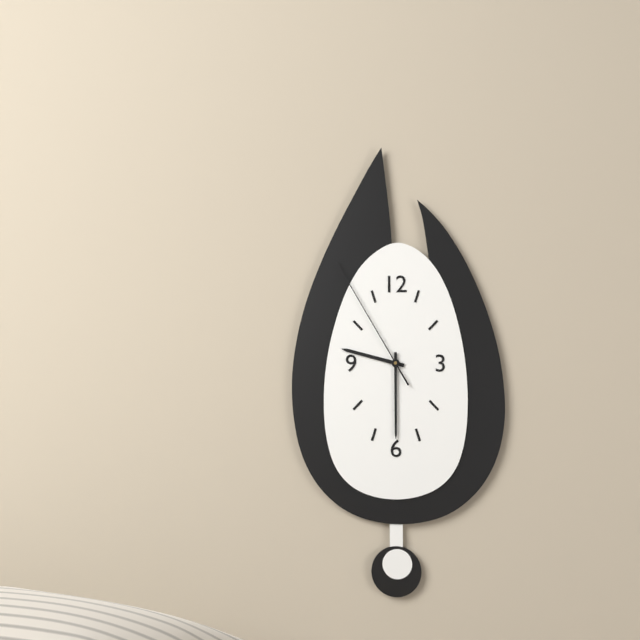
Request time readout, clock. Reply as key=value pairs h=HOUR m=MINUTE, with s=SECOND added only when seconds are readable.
h=9 m=30 s=55
